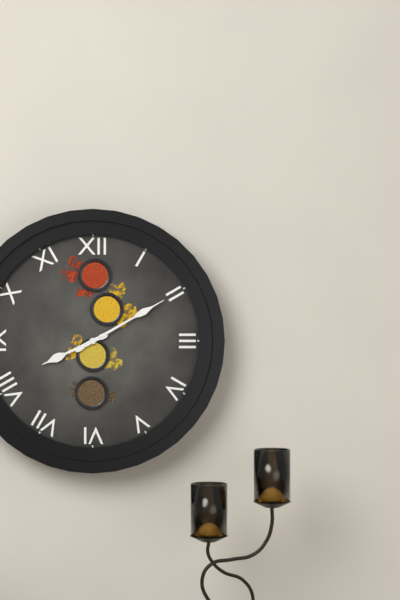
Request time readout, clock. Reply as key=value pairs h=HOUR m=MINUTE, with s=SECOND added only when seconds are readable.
h=8 m=10
